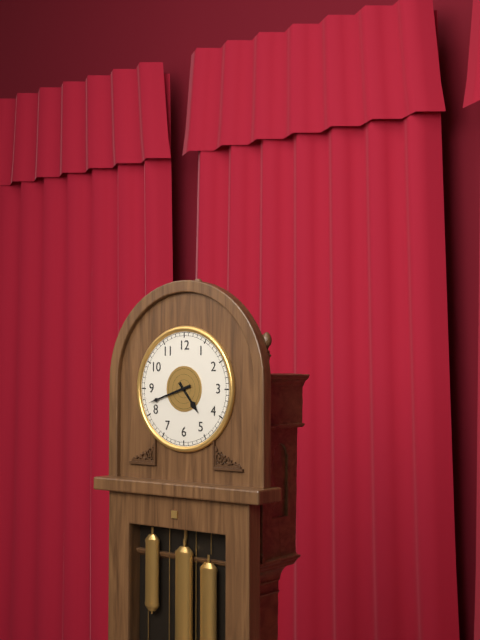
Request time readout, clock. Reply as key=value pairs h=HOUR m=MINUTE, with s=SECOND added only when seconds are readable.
h=4 m=42
